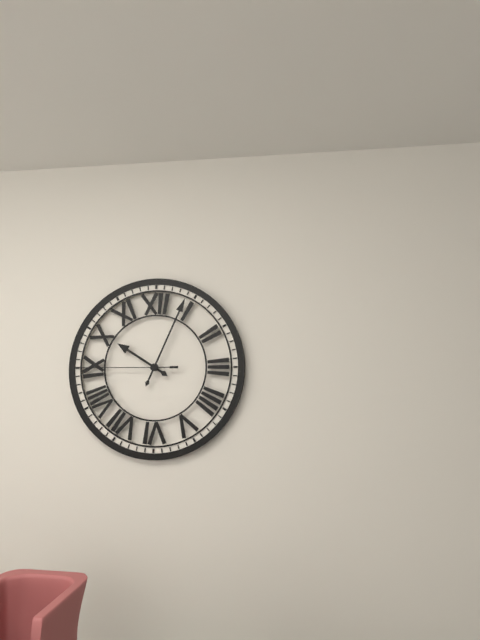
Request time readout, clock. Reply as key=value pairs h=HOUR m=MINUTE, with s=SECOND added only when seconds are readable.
h=10 m=4 s=45
